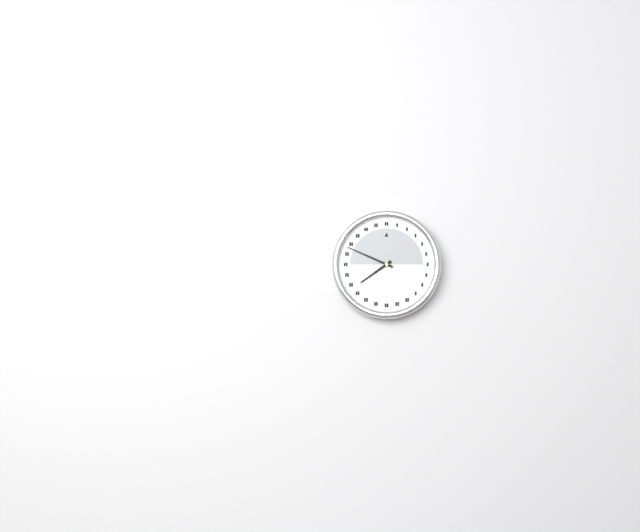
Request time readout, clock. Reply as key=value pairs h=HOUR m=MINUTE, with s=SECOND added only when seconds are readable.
h=7 m=49
